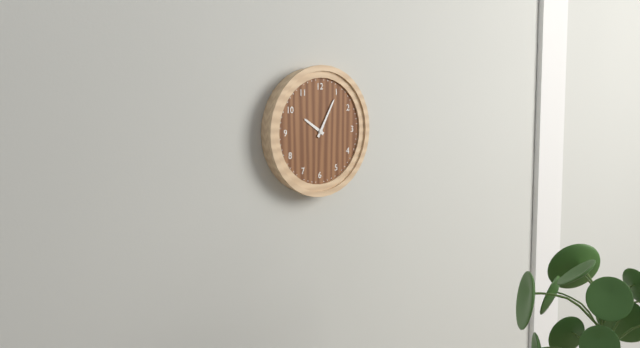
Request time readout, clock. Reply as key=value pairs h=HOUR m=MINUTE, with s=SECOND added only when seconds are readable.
h=10 m=5
